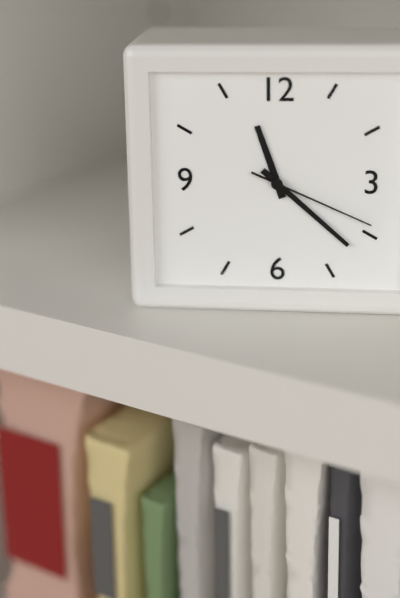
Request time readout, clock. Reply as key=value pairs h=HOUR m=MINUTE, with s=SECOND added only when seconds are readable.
h=11 m=22 s=19
